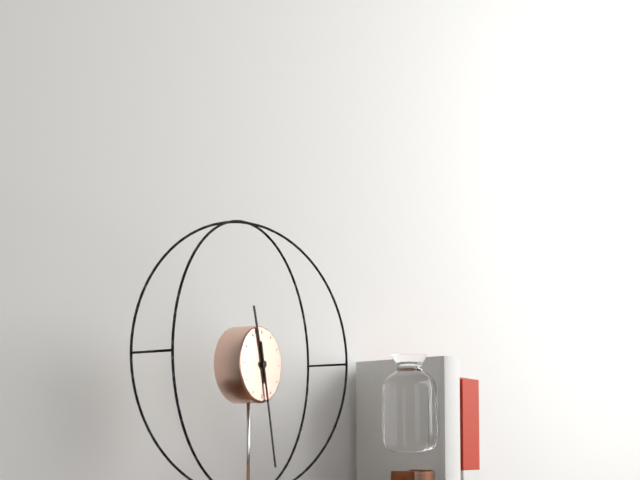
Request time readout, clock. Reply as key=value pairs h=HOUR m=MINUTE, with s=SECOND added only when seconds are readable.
h=11 m=28
